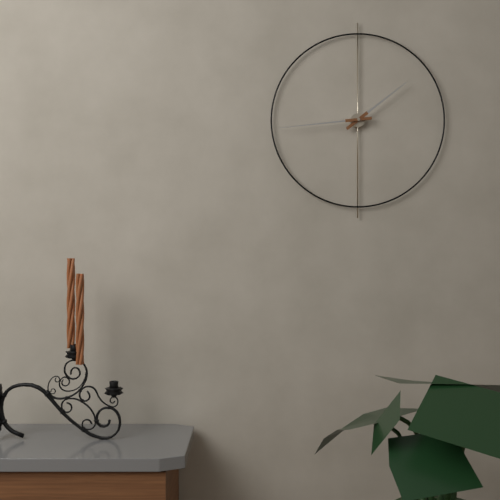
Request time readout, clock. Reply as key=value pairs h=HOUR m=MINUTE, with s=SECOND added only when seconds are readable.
h=1 m=44
